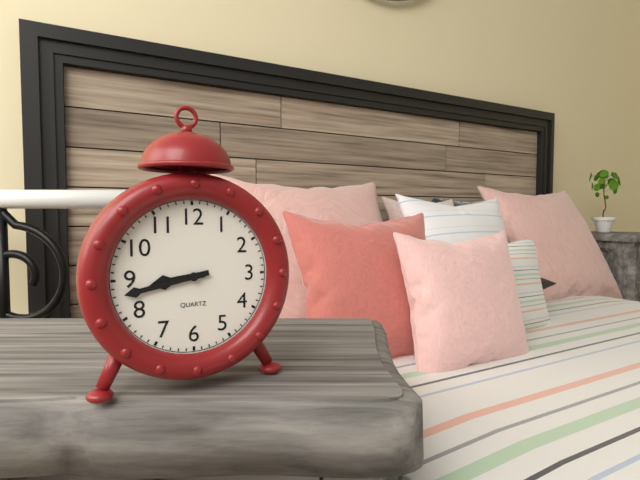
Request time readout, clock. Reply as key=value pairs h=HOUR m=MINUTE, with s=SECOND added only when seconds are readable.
h=8 m=43
